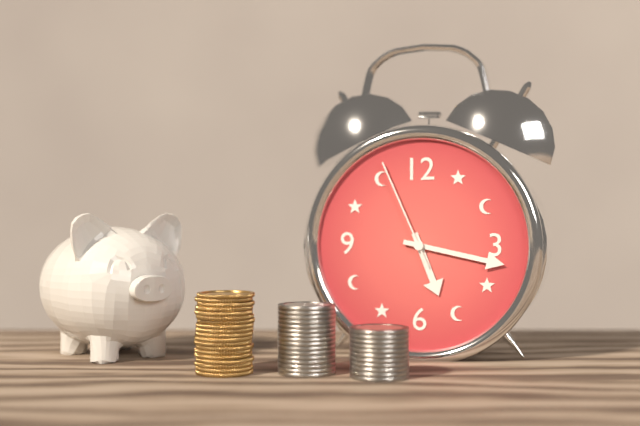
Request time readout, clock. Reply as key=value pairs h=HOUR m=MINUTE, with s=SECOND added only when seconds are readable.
h=5 m=17 s=56
